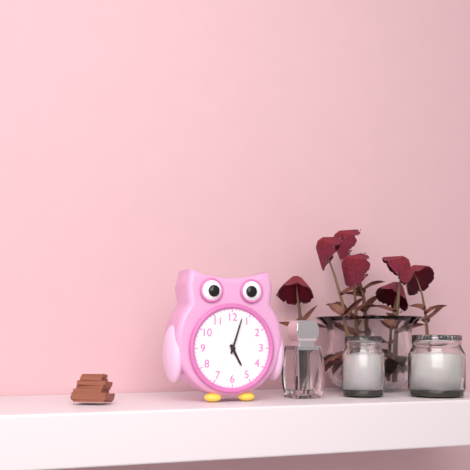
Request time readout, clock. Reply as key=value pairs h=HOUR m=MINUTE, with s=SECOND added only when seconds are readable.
h=5 m=3
